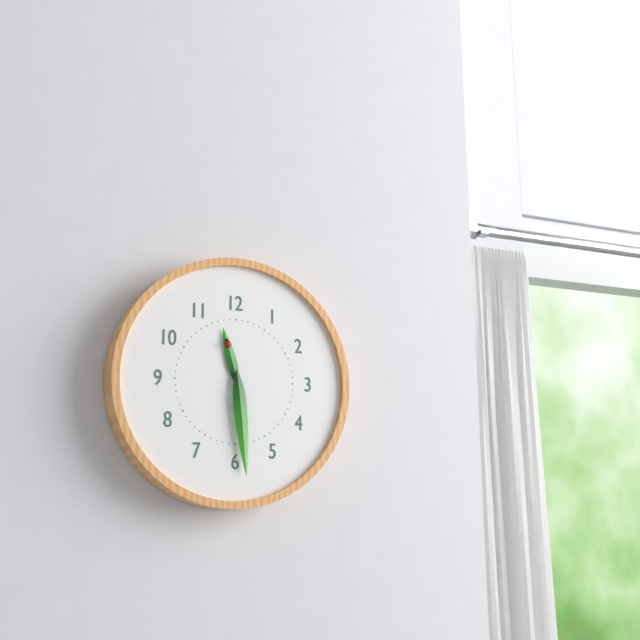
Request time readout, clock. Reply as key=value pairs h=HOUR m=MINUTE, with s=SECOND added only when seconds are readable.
h=11 m=29
